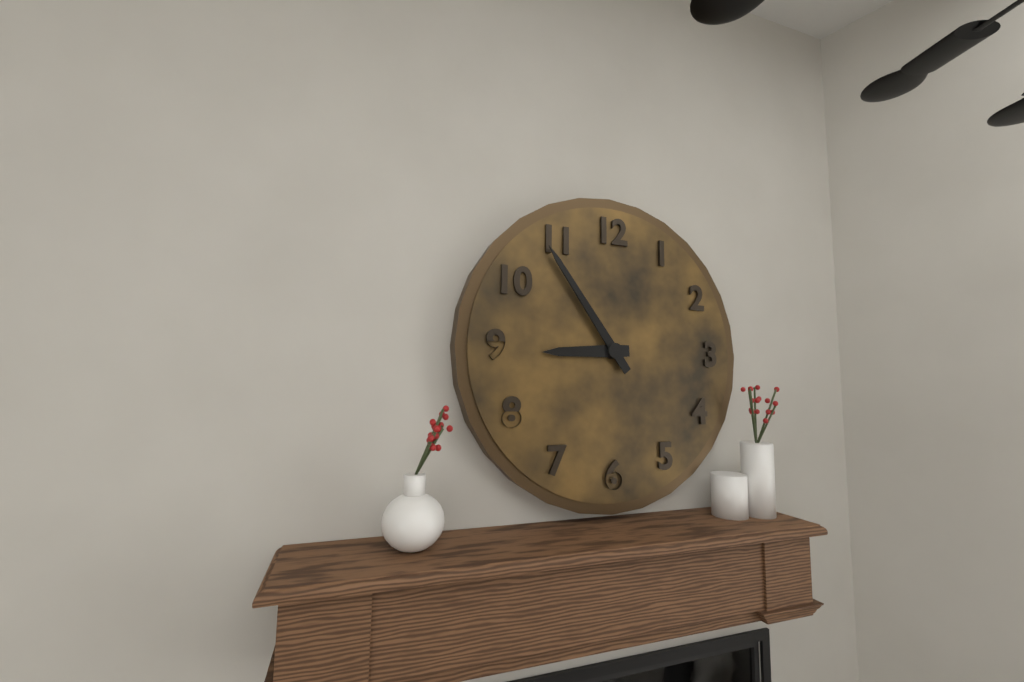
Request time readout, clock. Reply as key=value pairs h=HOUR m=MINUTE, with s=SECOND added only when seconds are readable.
h=8 m=54
